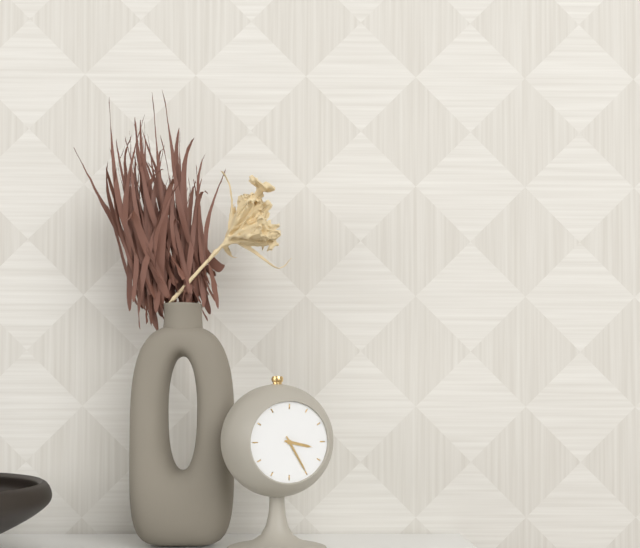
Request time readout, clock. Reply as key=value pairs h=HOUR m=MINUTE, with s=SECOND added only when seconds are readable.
h=3 m=25
